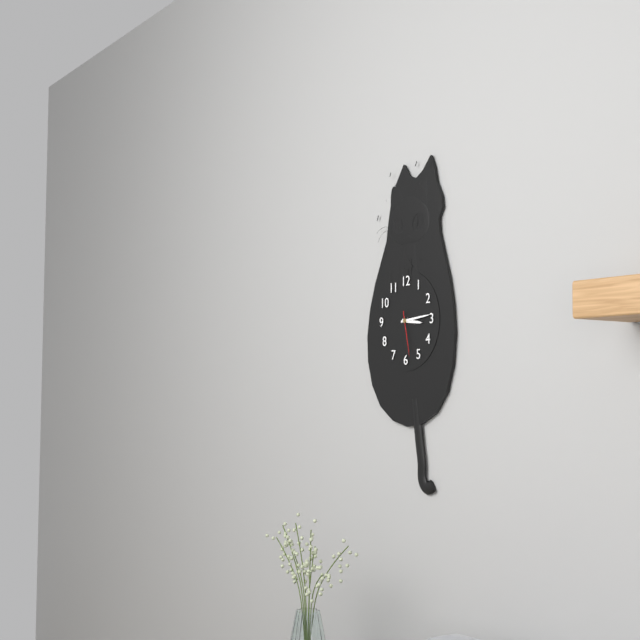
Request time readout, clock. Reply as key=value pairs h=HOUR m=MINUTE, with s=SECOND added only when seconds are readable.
h=3 m=14
